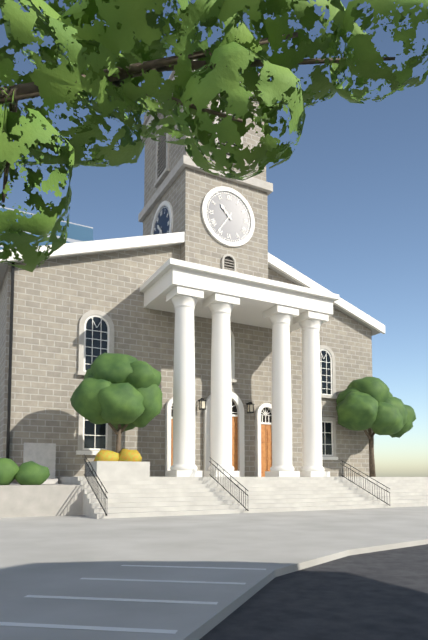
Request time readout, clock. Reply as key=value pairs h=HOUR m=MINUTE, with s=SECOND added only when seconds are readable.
h=10 m=36
